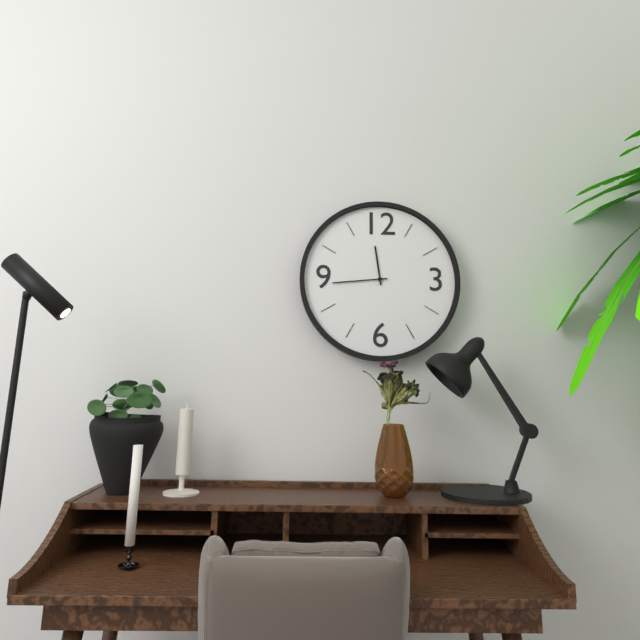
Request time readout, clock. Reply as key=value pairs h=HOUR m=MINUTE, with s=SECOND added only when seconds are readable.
h=11 m=44
